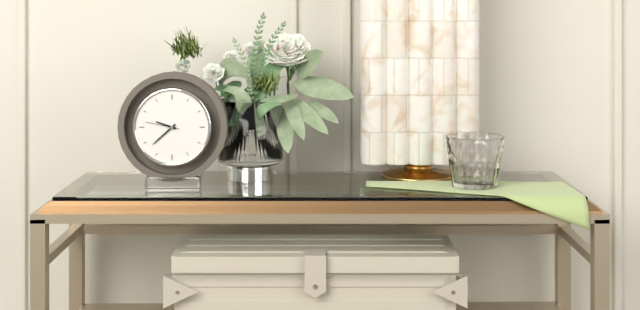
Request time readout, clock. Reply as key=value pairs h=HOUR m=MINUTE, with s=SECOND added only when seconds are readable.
h=9 m=38
